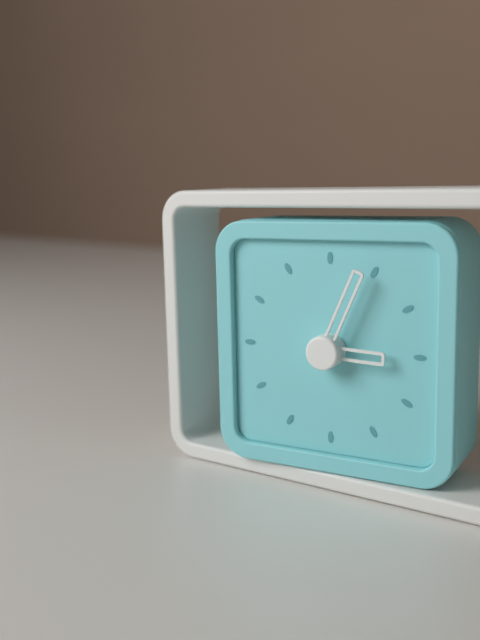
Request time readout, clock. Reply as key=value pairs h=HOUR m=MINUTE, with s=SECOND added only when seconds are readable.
h=3 m=4
